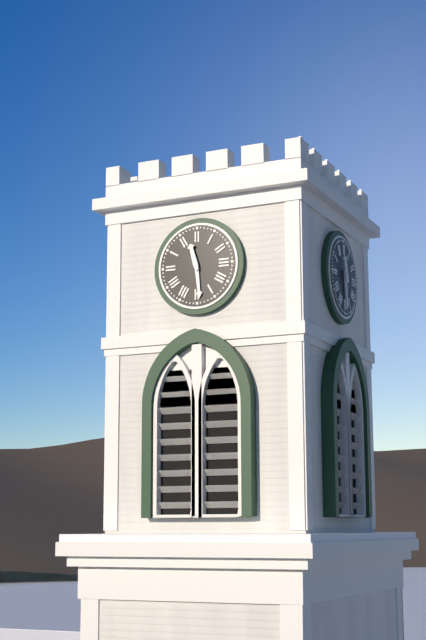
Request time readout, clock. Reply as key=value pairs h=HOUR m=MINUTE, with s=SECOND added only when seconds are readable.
h=11 m=29
